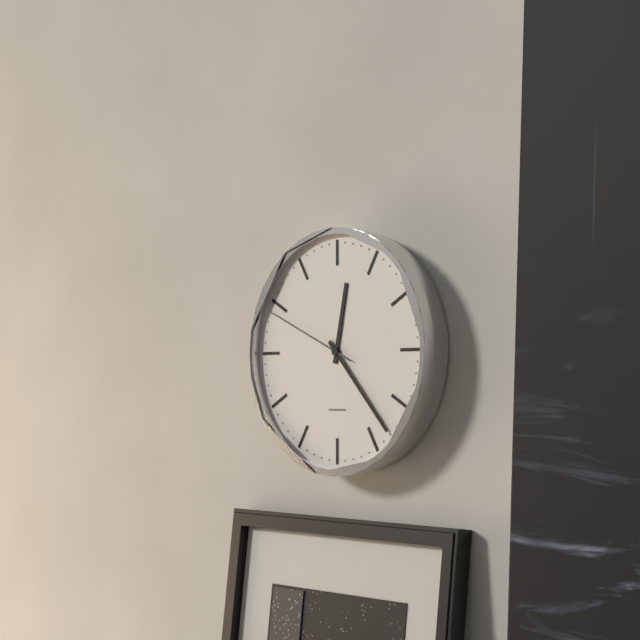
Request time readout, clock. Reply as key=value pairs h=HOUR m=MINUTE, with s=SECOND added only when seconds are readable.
h=12 m=23 s=49
